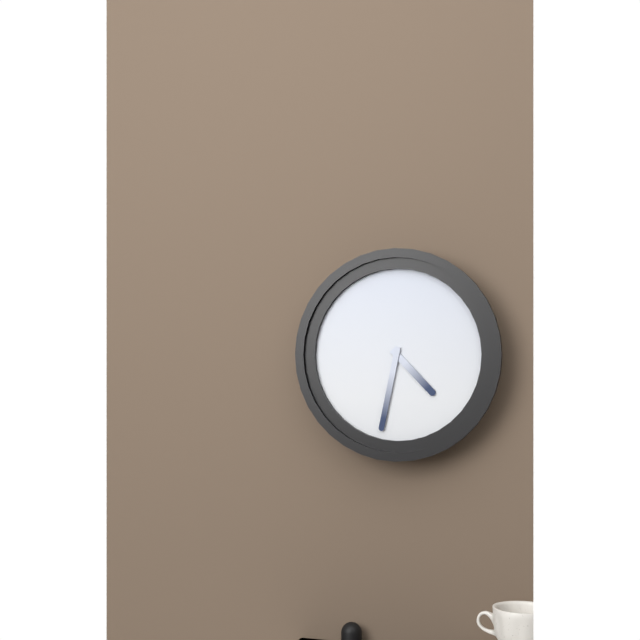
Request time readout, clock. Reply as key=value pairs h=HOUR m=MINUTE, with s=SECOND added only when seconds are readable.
h=4 m=32
